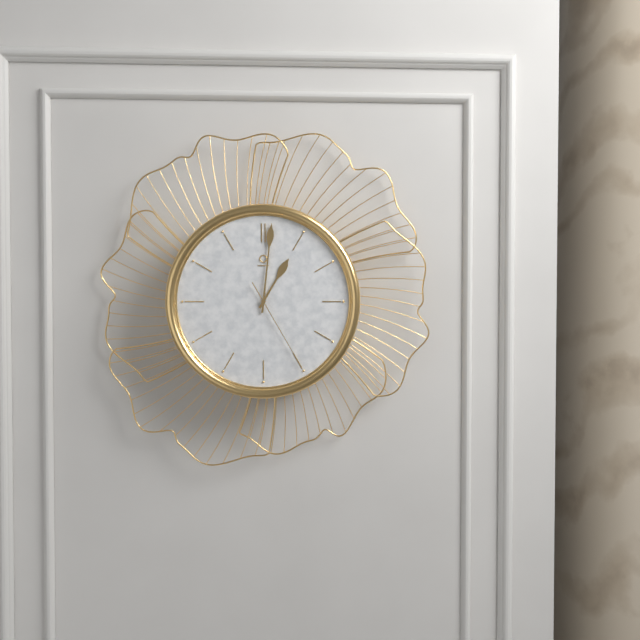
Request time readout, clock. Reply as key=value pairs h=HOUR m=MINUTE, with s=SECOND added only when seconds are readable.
h=1 m=1 s=25
